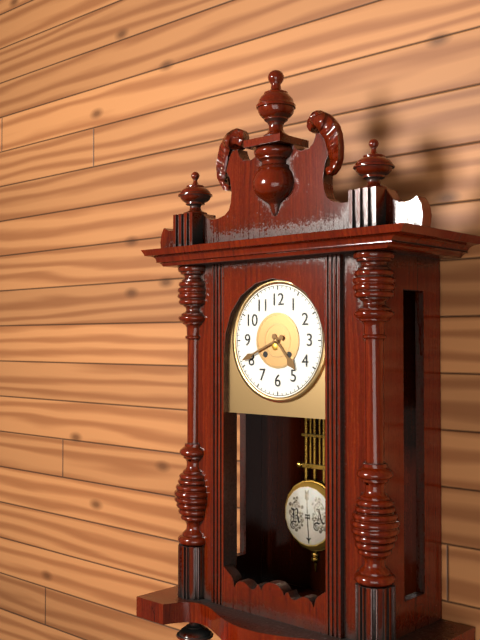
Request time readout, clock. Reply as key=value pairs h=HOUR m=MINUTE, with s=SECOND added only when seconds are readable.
h=4 m=41
